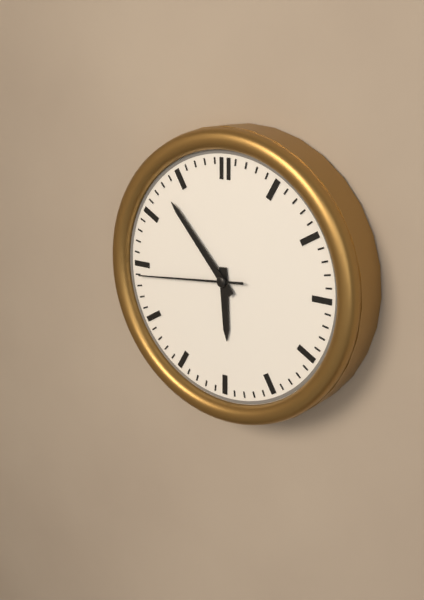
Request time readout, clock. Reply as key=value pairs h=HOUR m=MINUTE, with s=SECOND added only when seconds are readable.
h=5 m=53 s=44
